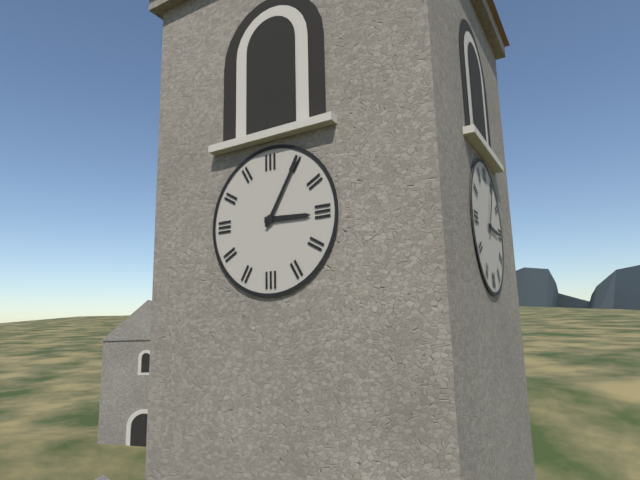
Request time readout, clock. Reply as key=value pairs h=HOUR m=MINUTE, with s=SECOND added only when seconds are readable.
h=3 m=5
